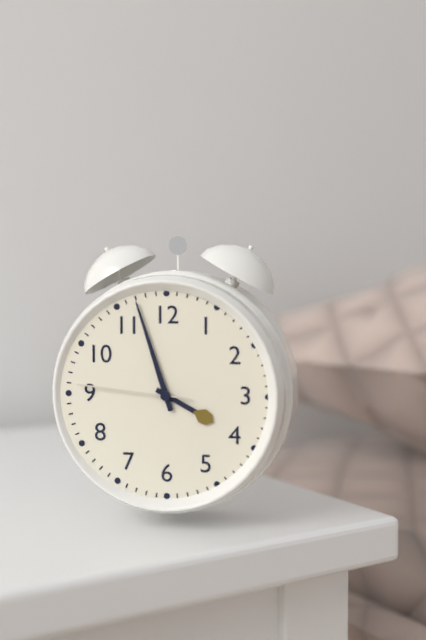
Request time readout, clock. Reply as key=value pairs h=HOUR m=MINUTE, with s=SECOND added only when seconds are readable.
h=3 m=57 s=46
